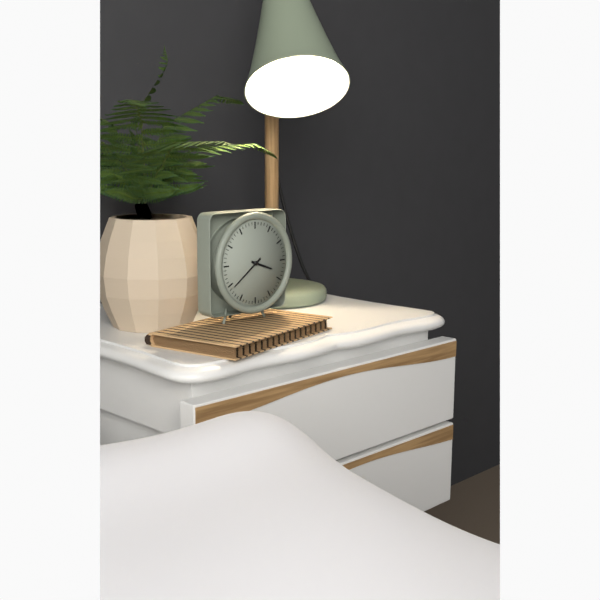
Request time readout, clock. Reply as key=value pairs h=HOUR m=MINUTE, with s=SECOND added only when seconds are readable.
h=3 m=39
